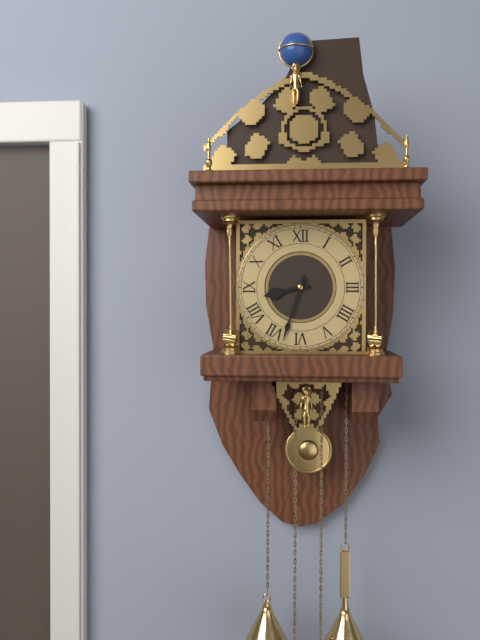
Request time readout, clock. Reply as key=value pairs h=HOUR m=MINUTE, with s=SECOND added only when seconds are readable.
h=8 m=33
